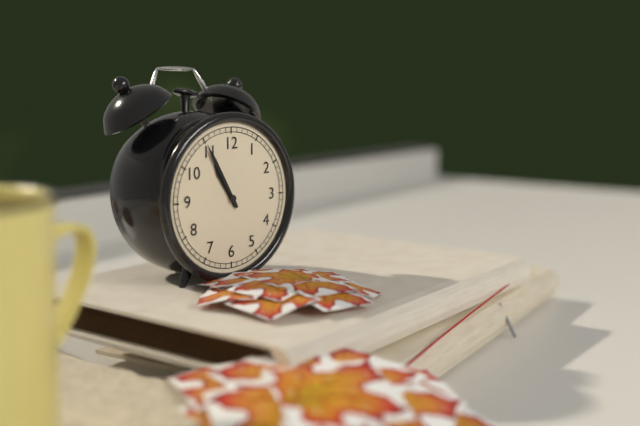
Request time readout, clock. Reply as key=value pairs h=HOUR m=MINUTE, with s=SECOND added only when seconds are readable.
h=10 m=55
